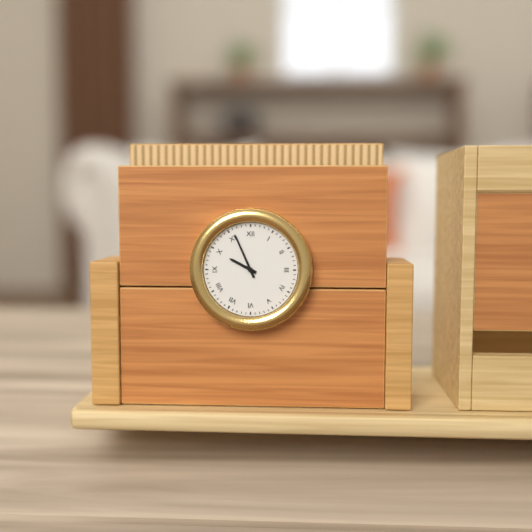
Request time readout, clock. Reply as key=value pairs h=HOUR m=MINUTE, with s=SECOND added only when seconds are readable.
h=9 m=56
